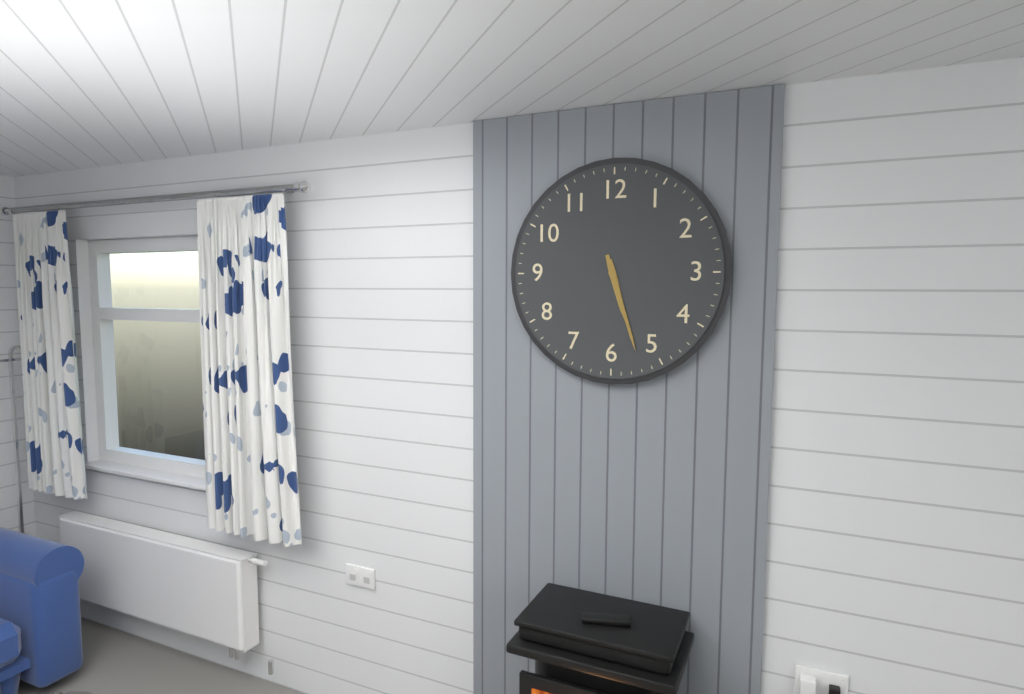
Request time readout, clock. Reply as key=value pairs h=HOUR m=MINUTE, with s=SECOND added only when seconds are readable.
h=5 m=27
